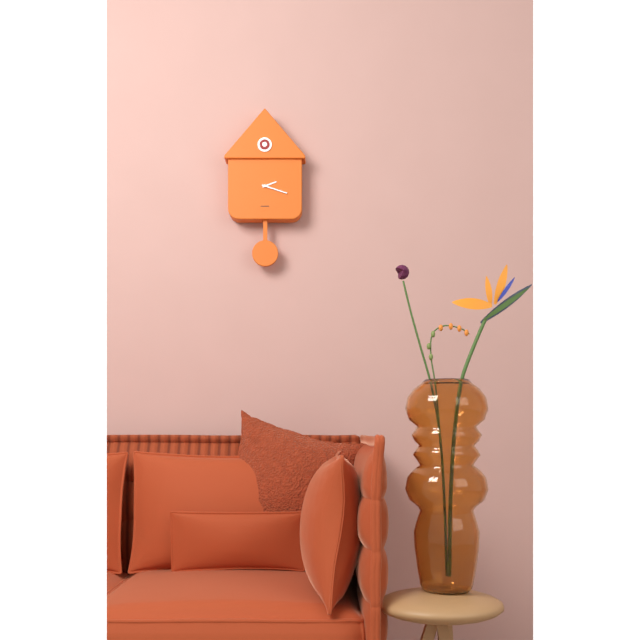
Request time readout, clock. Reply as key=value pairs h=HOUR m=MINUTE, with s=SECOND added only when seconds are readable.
h=2 m=18
